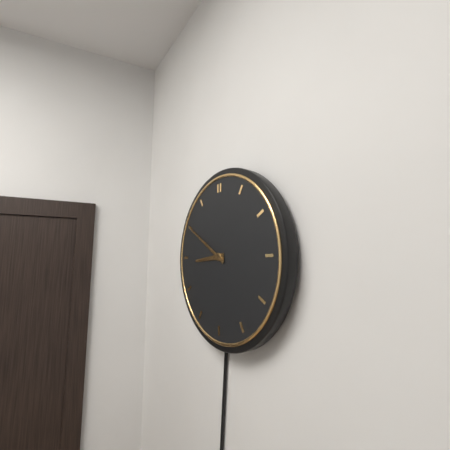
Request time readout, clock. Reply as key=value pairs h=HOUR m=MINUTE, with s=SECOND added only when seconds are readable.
h=8 m=50
